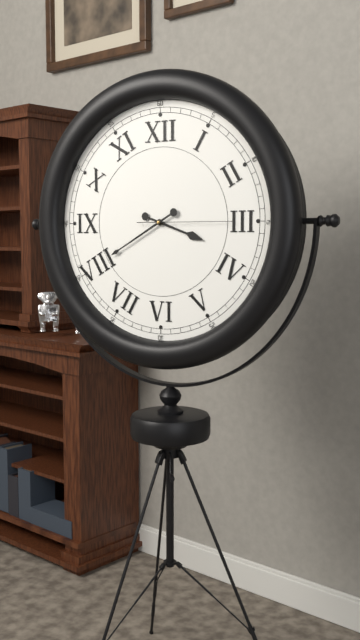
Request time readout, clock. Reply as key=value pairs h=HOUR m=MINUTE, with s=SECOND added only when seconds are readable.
h=3 m=40 s=15
